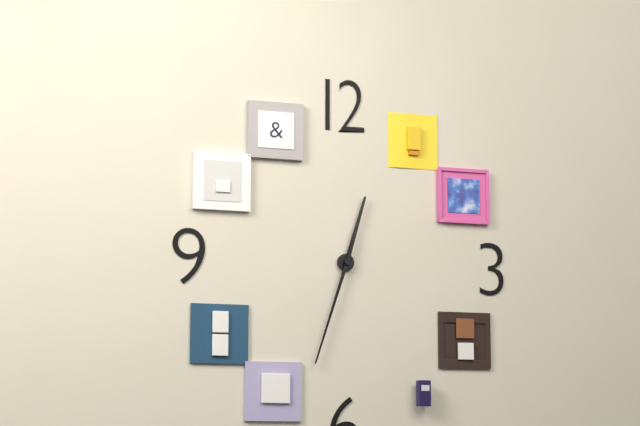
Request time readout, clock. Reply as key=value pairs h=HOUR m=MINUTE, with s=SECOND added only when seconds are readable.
h=12 m=33
